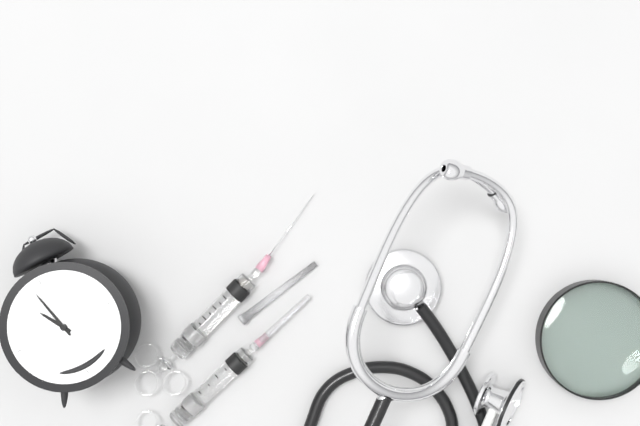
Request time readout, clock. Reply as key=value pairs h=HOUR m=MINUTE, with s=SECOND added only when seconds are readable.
h=10 m=58
